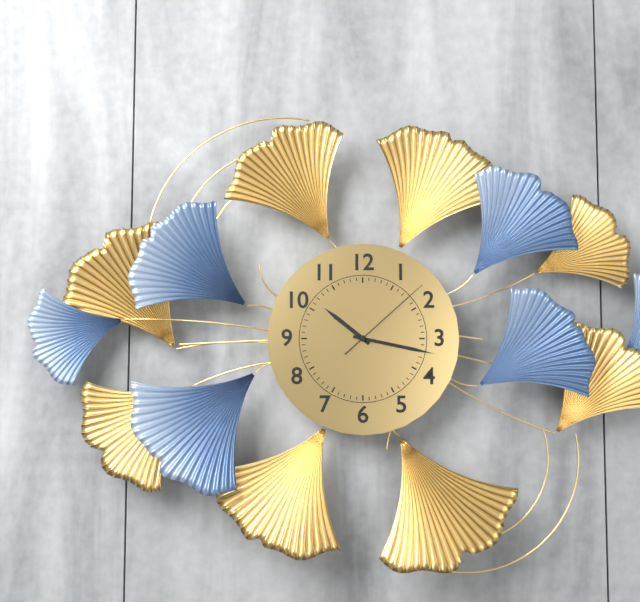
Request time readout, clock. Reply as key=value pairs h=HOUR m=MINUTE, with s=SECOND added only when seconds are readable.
h=10 m=17 s=8
